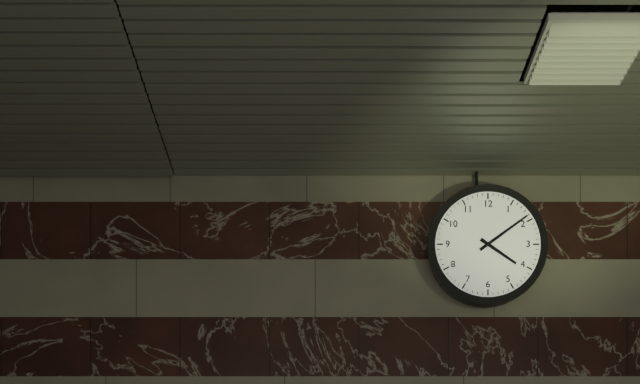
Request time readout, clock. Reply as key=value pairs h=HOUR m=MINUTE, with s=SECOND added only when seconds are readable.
h=4 m=9
